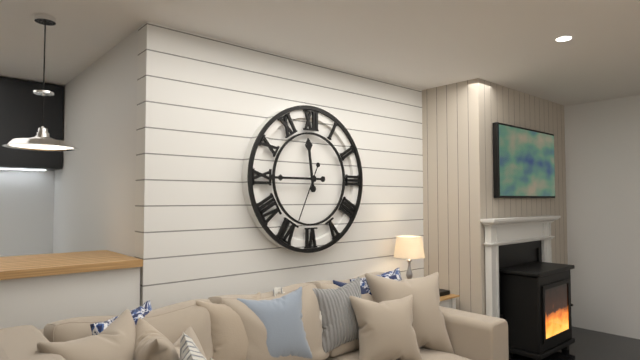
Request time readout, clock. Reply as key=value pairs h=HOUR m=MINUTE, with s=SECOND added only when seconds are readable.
h=11 m=45 s=34
